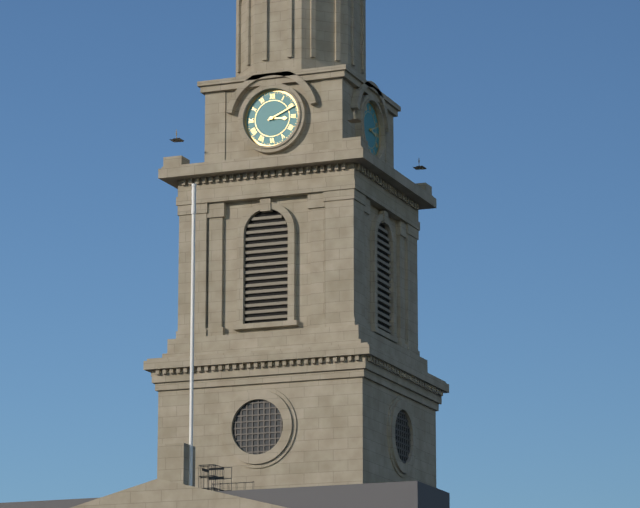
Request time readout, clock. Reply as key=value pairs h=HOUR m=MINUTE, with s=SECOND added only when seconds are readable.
h=3 m=11
